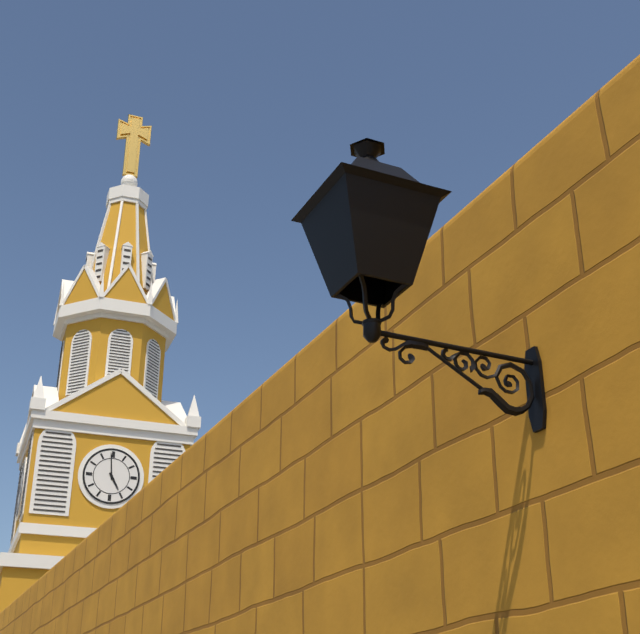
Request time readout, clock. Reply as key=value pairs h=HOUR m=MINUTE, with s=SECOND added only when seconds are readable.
h=4 m=59
